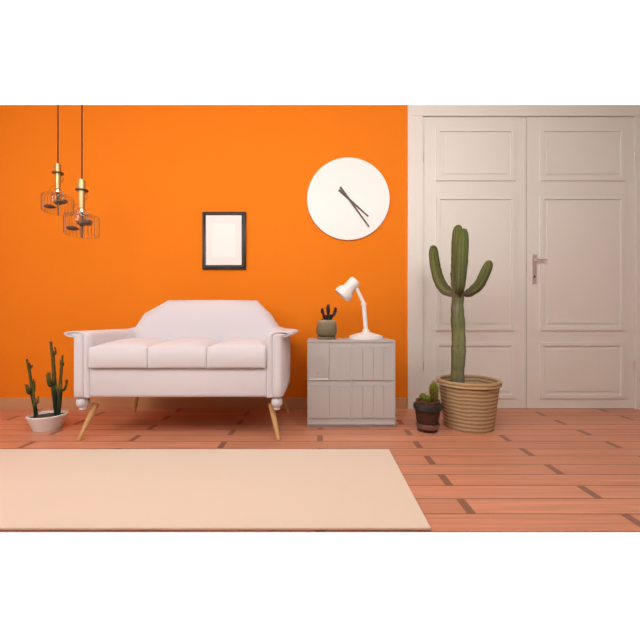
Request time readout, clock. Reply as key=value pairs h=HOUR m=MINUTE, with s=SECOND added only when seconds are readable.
h=4 m=24
